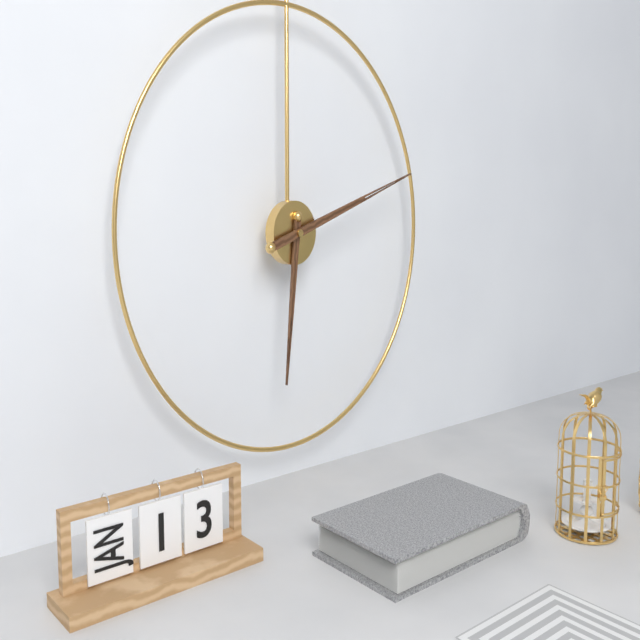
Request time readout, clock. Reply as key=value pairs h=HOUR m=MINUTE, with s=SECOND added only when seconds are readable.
h=6 m=12
